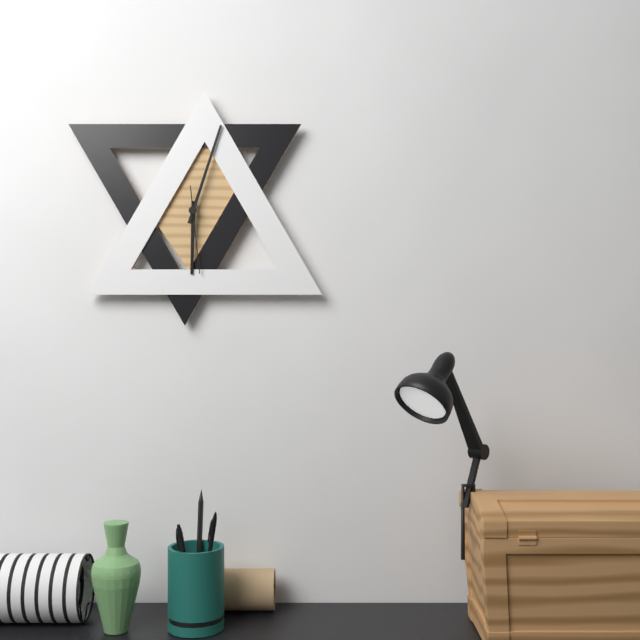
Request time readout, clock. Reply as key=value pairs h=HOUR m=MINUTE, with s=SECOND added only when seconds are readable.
h=6 m=3 s=29
